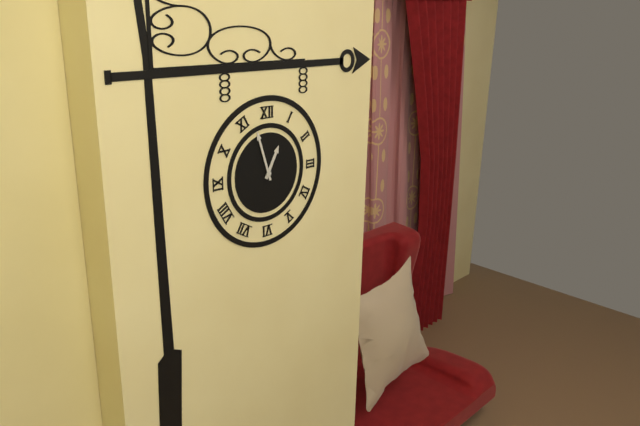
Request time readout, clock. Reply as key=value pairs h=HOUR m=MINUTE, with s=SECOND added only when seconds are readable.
h=12 m=57
